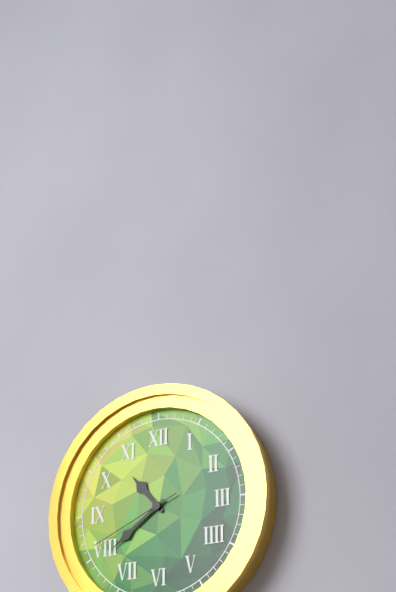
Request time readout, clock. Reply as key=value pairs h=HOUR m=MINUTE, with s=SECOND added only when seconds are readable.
h=10 m=39 s=41
